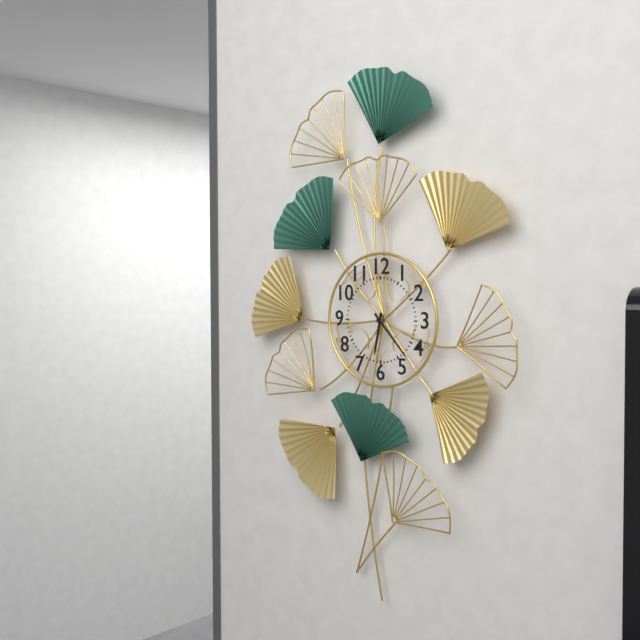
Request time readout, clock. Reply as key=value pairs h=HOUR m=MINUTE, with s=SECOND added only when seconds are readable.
h=6 m=23
